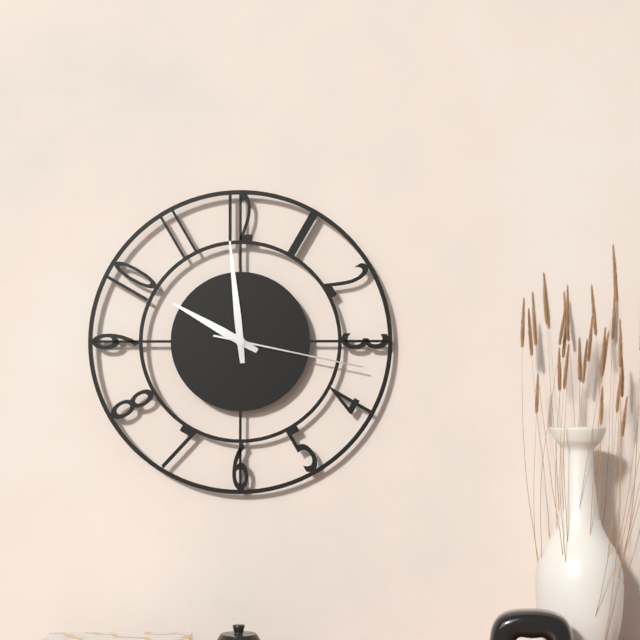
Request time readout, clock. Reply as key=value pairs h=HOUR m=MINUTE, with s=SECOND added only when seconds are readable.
h=9 m=59 s=17
